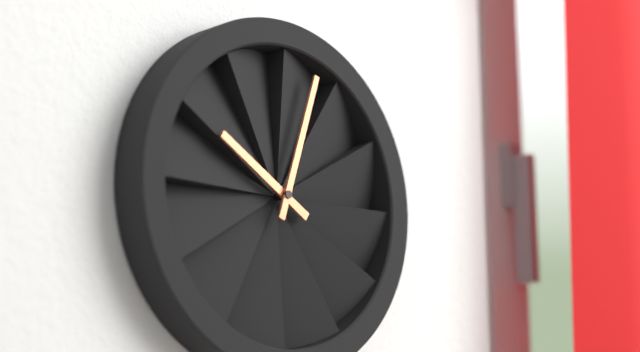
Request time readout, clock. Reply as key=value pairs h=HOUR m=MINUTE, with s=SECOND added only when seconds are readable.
h=10 m=3
